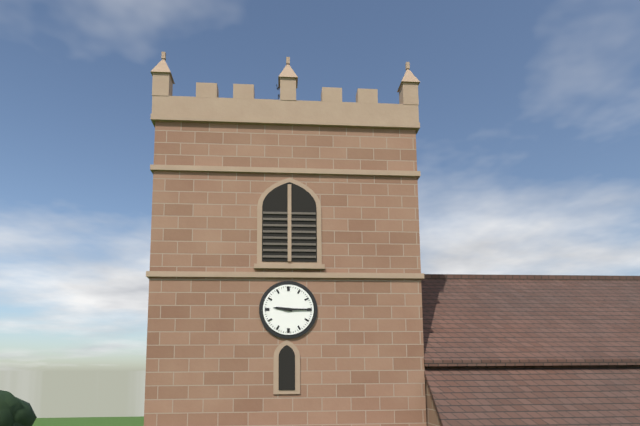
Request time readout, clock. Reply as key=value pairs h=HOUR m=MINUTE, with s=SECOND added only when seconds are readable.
h=9 m=15
